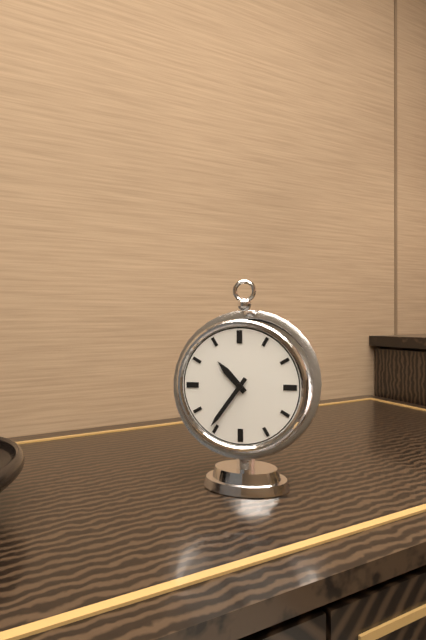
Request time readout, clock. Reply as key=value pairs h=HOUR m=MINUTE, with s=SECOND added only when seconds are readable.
h=10 m=36
